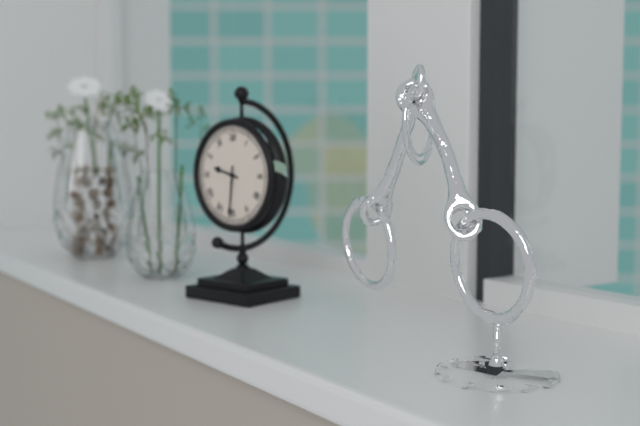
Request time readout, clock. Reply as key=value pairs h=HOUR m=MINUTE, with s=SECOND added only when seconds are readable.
h=9 m=31
